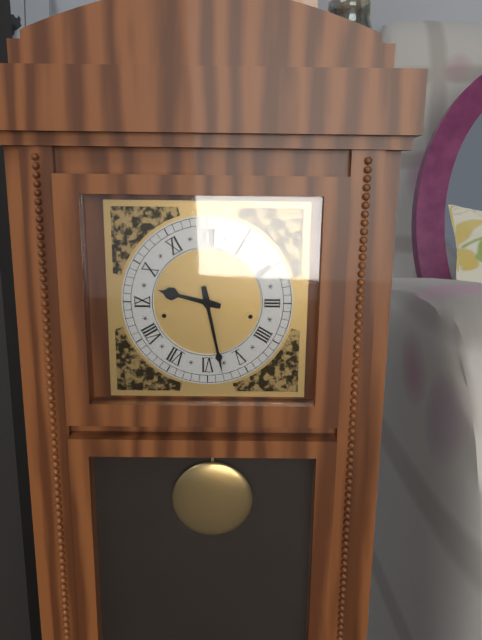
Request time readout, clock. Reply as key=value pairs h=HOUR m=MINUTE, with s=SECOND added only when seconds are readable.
h=9 m=28
